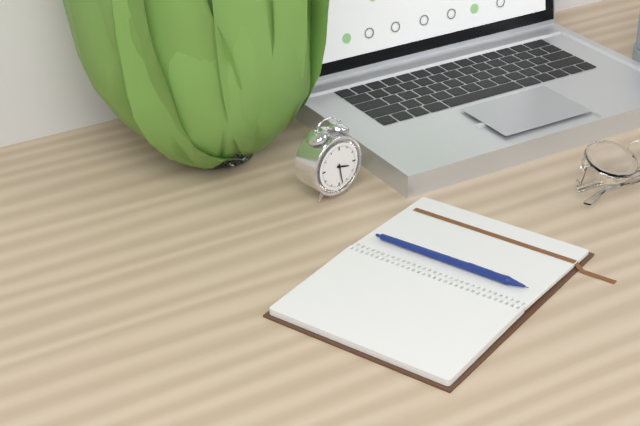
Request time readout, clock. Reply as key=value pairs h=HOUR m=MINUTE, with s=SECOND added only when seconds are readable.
h=3 m=28
